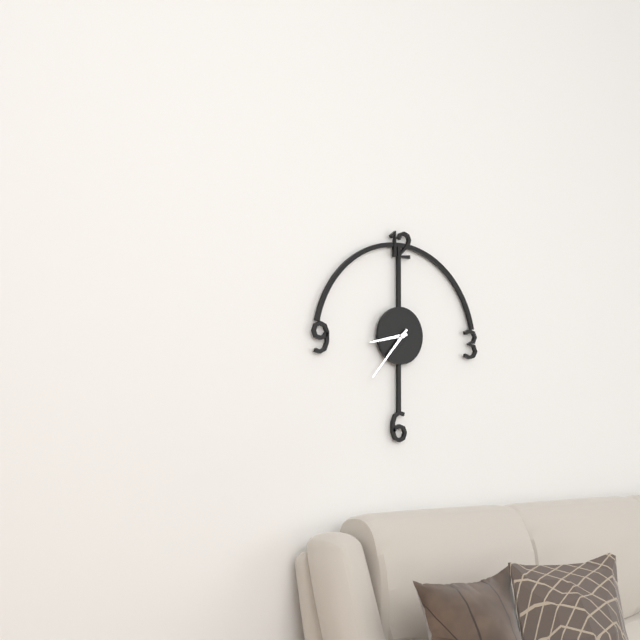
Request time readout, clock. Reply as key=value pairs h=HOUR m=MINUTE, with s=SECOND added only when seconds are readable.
h=8 m=37
